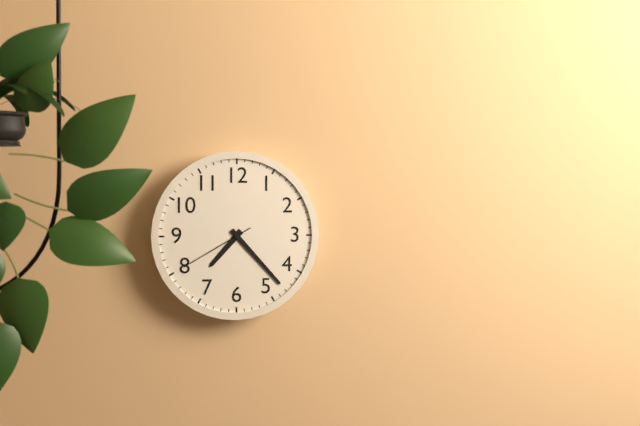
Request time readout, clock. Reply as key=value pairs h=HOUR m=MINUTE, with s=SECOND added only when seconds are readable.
h=7 m=23 s=40
